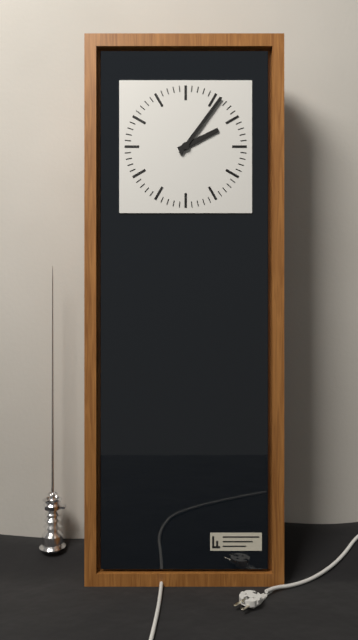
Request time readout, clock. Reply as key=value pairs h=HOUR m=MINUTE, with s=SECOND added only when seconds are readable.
h=2 m=6
